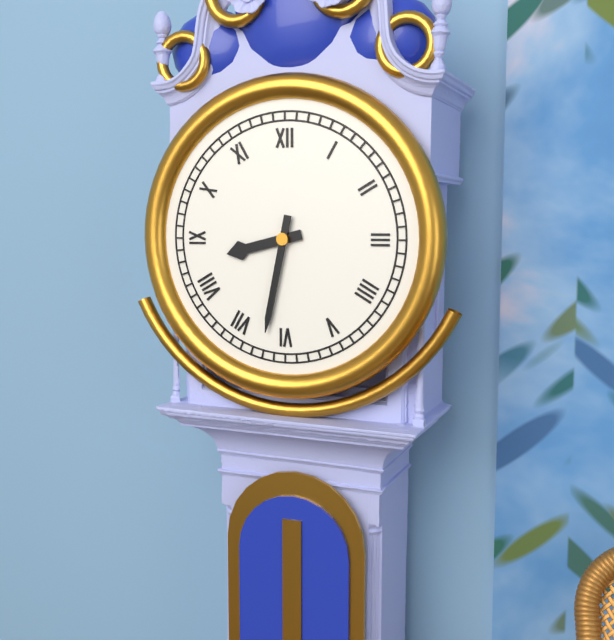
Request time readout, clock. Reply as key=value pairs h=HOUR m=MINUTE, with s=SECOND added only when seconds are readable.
h=8 m=32
